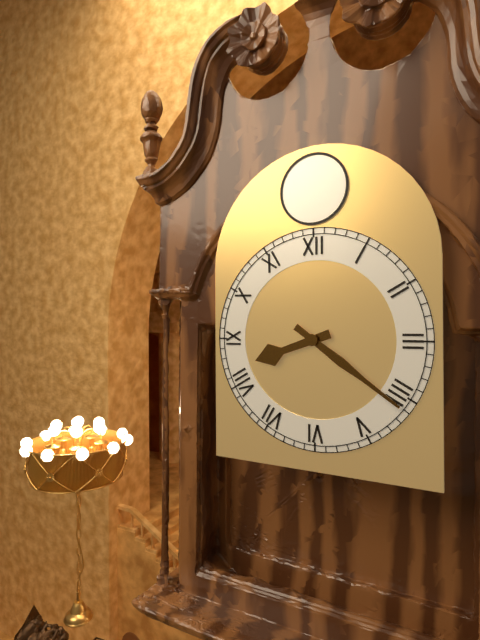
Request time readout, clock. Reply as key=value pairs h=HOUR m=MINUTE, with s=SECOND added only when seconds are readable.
h=8 m=21
